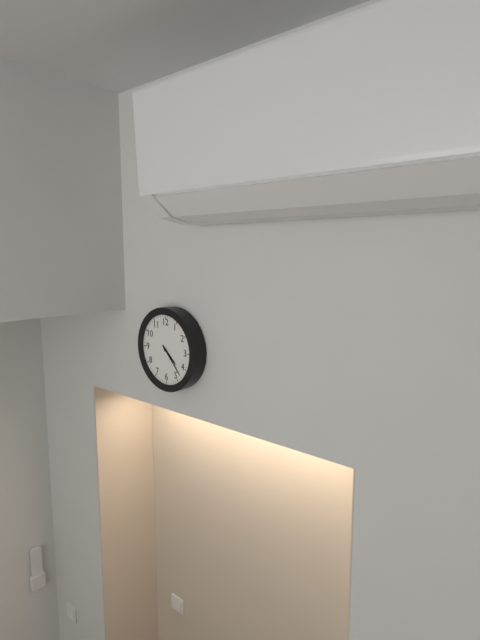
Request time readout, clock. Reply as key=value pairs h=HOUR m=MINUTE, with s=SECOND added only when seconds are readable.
h=4 m=23
